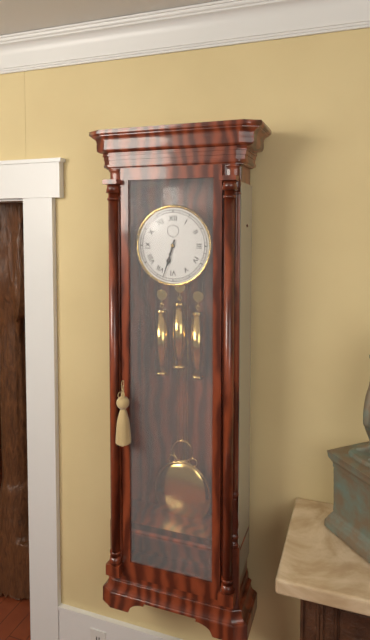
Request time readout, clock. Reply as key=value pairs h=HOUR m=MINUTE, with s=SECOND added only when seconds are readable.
h=6 m=33
